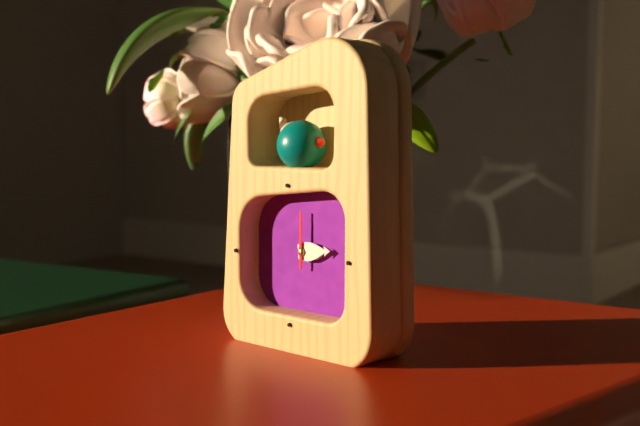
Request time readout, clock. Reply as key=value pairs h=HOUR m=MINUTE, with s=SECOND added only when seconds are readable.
h=3 m=14 s=0
